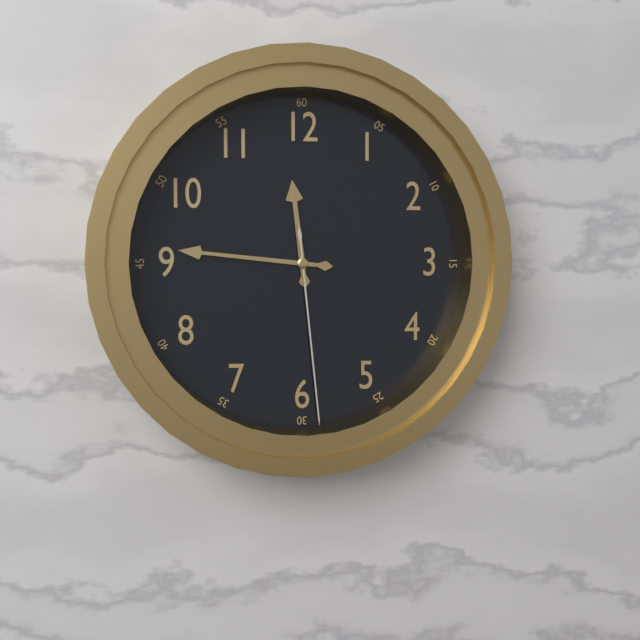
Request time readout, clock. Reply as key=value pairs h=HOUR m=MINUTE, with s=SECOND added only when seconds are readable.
h=11 m=46 s=29
